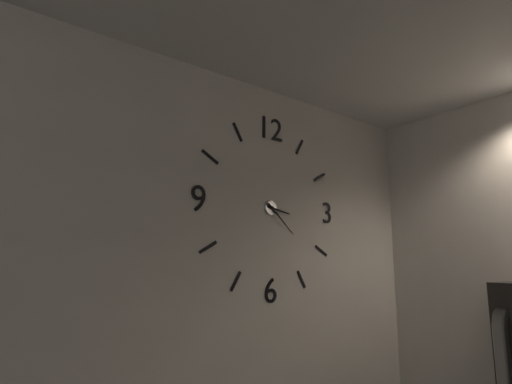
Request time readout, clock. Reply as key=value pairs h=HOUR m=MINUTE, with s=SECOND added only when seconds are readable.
h=3 m=22
